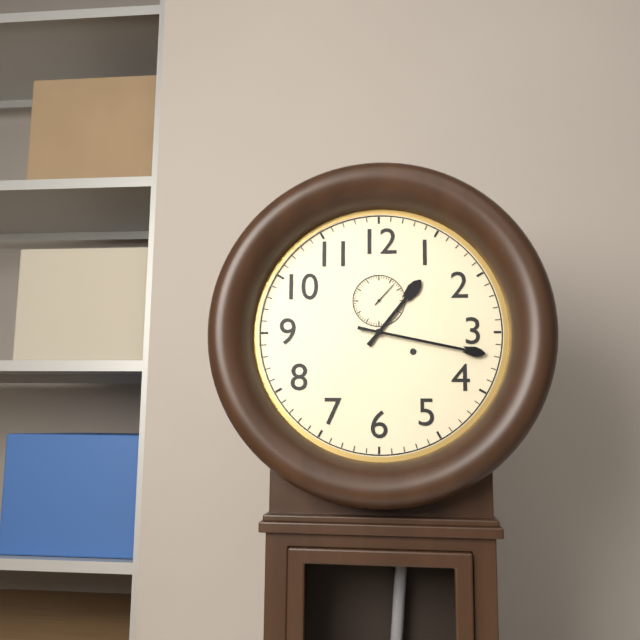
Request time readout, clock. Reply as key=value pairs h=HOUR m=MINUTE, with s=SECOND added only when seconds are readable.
h=1 m=17
